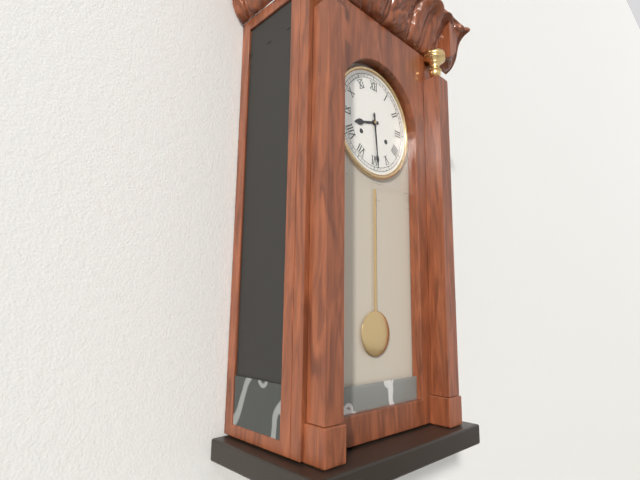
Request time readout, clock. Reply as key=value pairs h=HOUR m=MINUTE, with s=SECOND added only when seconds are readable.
h=8 m=29
